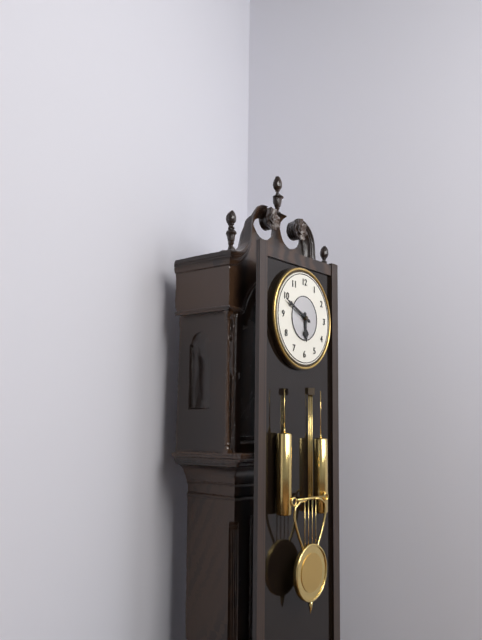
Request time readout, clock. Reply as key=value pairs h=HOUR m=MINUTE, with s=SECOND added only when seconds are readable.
h=5 m=49
